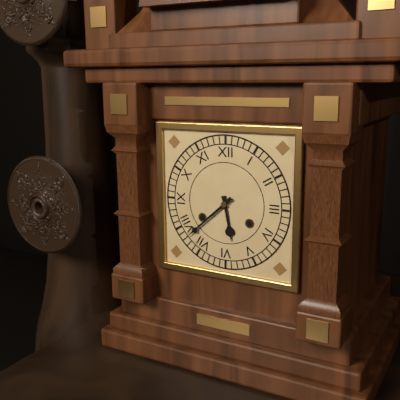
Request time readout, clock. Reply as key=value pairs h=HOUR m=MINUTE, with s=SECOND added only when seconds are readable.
h=5 m=38
